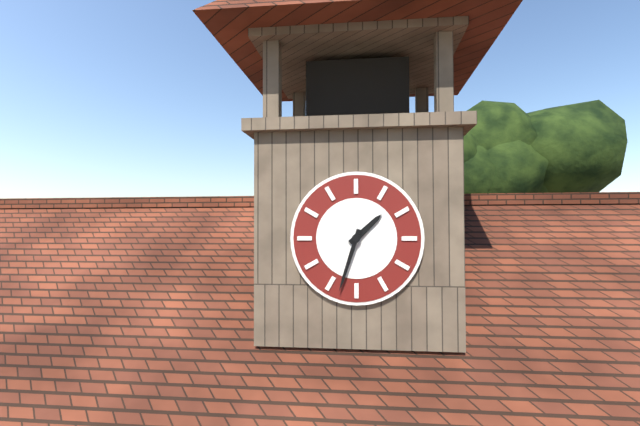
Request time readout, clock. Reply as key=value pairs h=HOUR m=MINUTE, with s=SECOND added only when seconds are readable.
h=1 m=33
